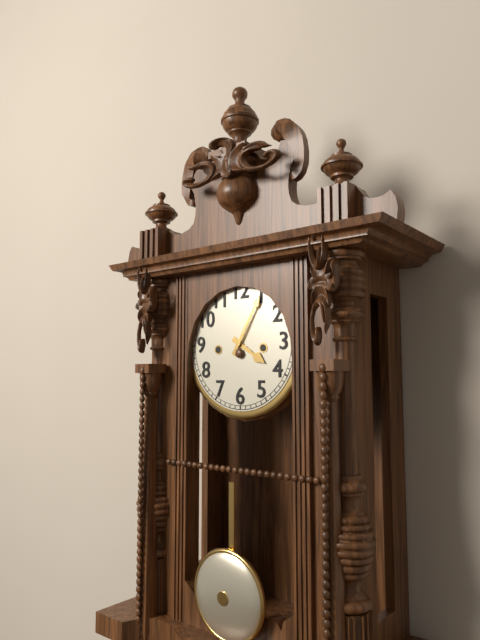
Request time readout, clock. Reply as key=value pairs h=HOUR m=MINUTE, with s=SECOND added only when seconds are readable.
h=4 m=5
